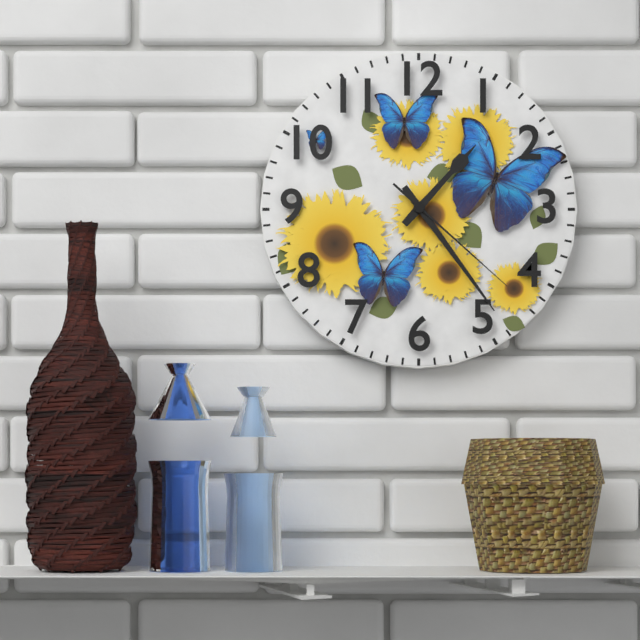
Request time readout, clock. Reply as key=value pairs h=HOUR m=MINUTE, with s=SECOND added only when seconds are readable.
h=1 m=24 s=22
